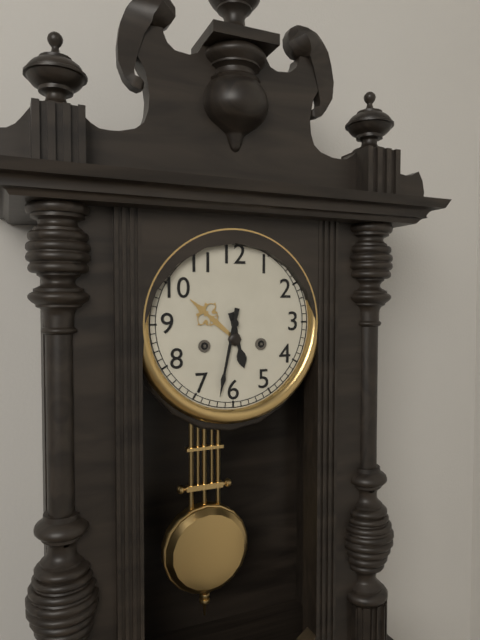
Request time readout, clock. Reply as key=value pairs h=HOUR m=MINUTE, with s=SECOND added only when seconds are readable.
h=5 m=32
